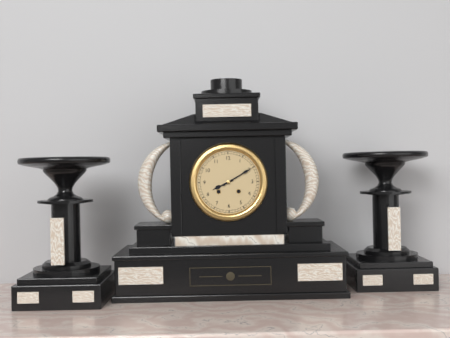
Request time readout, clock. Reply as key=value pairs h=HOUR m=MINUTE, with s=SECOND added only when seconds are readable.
h=8 m=10
